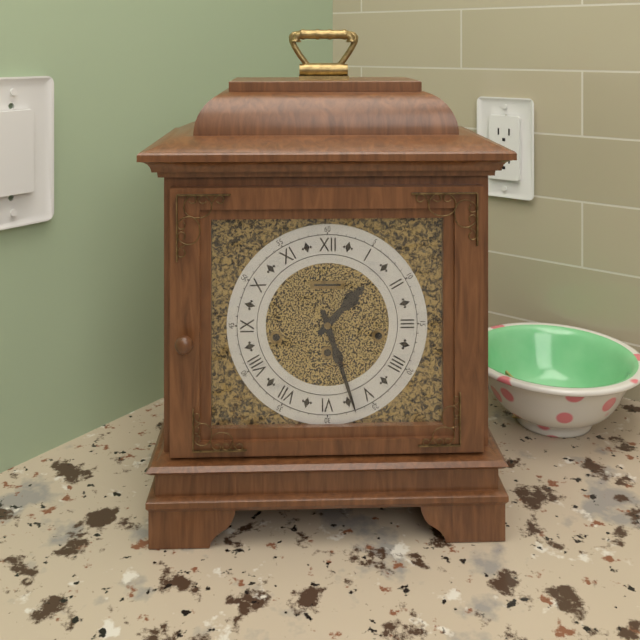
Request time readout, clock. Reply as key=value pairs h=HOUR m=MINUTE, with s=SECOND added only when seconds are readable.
h=1 m=27
